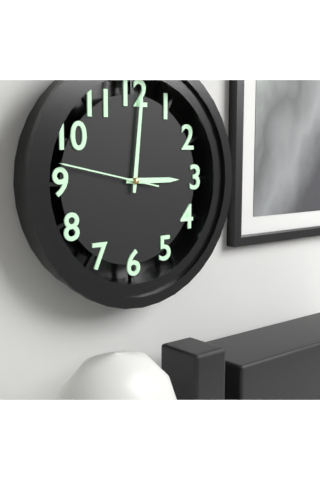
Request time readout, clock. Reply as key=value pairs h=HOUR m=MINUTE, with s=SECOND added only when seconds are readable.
h=3 m=1 s=47
